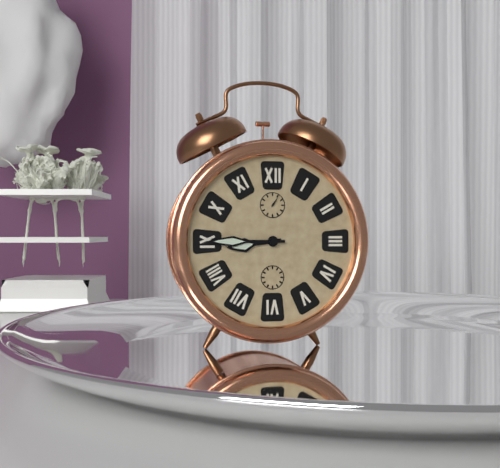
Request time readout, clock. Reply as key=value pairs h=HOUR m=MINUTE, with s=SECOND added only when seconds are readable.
h=8 m=45
